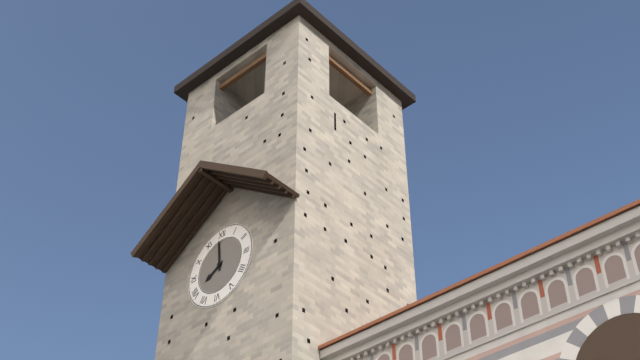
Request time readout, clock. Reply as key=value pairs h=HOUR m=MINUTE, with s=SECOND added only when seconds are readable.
h=7 m=59
